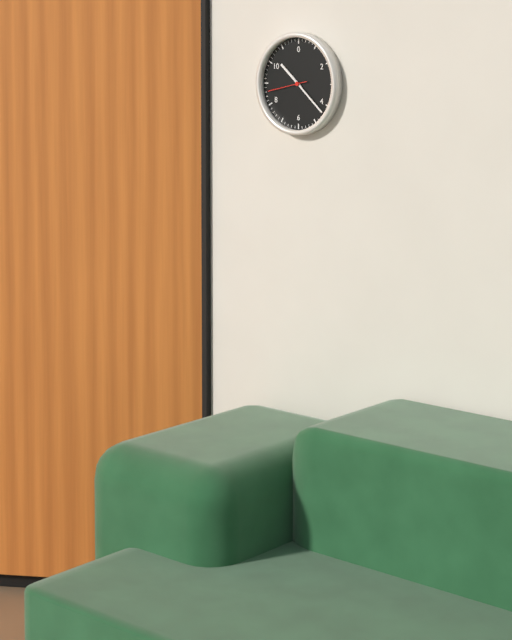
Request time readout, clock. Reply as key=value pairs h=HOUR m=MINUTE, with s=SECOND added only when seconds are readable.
h=10 m=22
